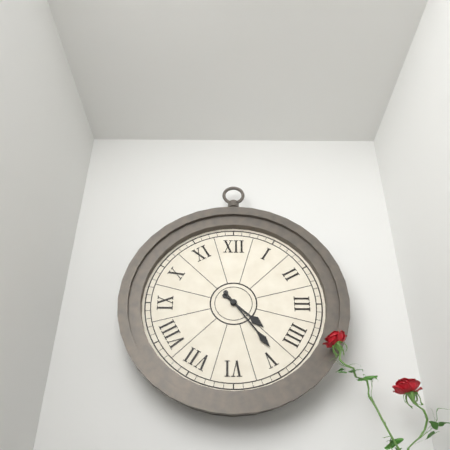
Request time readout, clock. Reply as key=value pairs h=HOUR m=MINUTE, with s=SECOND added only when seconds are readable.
h=4 m=24
